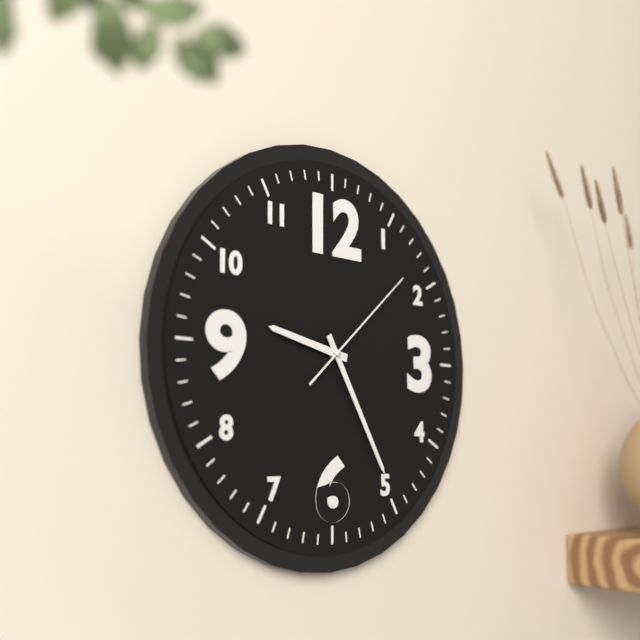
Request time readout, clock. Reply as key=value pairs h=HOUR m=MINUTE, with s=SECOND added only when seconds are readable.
h=9 m=25 s=8
